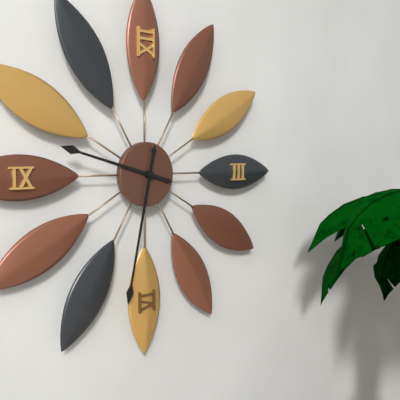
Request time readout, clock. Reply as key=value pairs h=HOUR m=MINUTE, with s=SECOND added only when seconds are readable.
h=9 m=32
